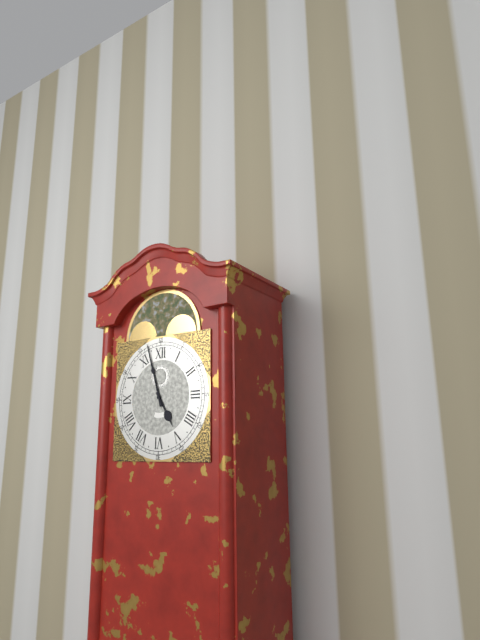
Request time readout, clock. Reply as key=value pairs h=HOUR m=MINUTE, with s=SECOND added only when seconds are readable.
h=4 m=57
